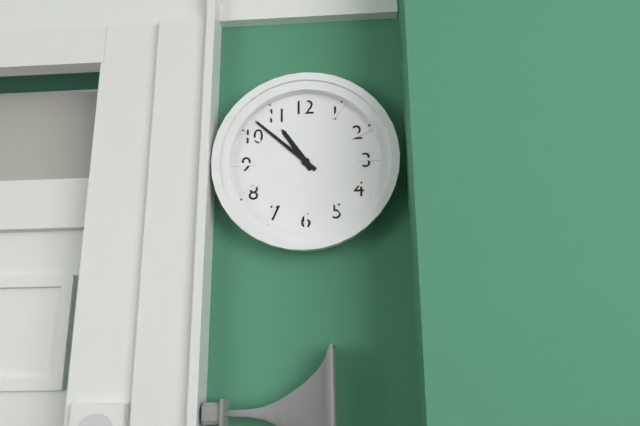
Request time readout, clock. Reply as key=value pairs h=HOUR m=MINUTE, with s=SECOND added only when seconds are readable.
h=10 m=52
